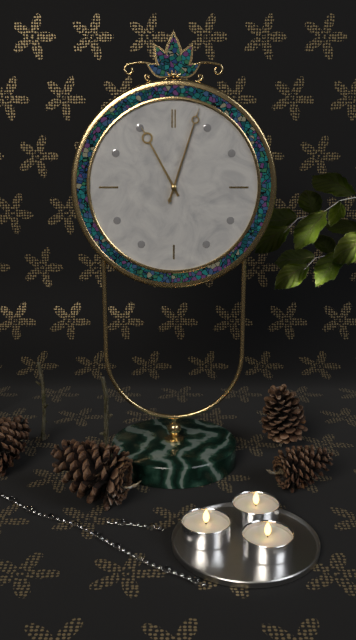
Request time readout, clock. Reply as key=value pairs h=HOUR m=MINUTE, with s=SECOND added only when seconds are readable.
h=11 m=3 s=3
